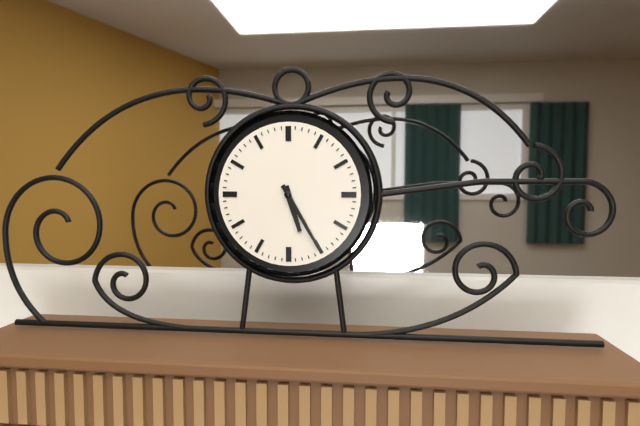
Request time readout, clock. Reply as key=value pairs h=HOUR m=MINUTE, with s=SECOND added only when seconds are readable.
h=5 m=25
